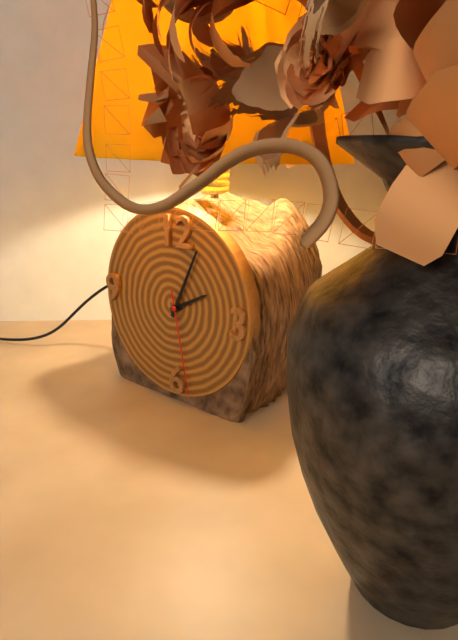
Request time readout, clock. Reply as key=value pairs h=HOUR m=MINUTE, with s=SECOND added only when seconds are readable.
h=2 m=4 s=28
